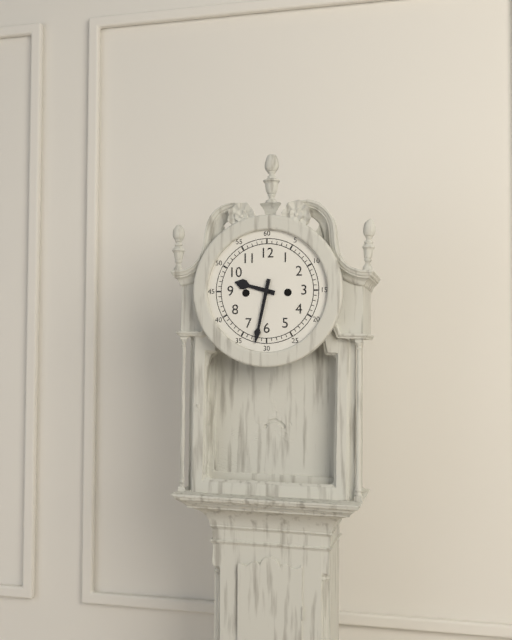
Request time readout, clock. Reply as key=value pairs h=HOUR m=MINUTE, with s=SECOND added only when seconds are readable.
h=9 m=32
